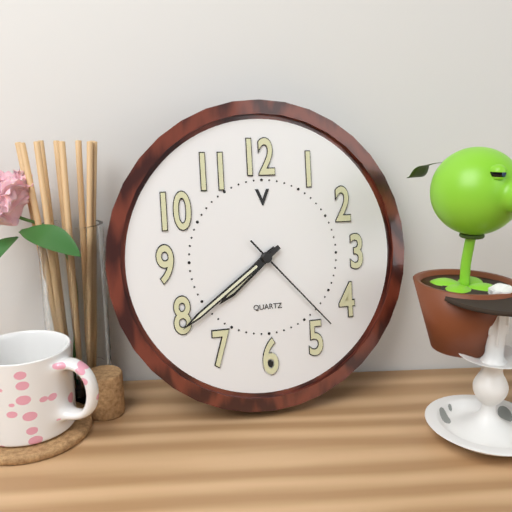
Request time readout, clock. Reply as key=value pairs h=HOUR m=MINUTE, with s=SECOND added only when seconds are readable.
h=7 m=39 s=23
